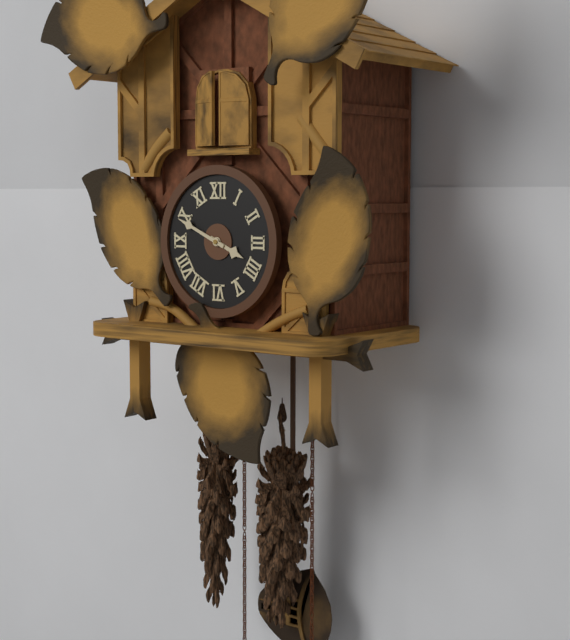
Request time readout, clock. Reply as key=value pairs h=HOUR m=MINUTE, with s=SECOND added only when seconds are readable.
h=3 m=49
